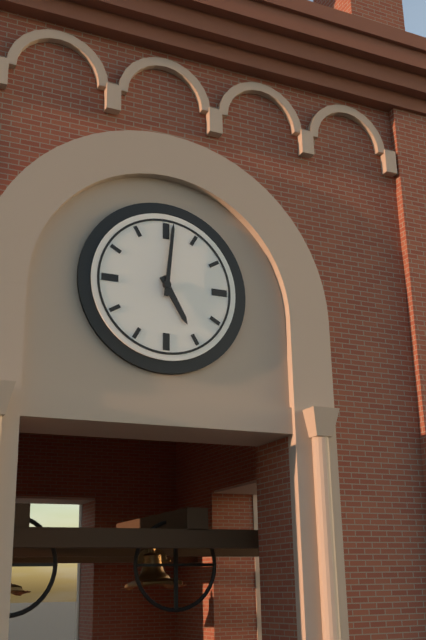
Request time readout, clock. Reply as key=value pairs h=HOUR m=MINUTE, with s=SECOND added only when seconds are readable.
h=5 m=1
